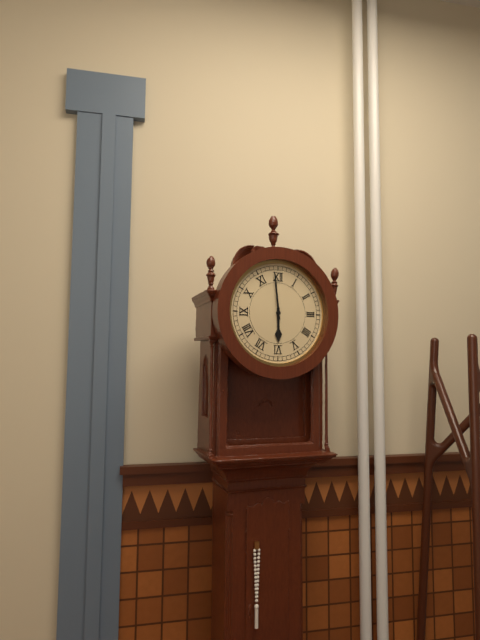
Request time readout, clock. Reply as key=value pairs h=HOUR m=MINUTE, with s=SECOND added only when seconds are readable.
h=5 m=59
